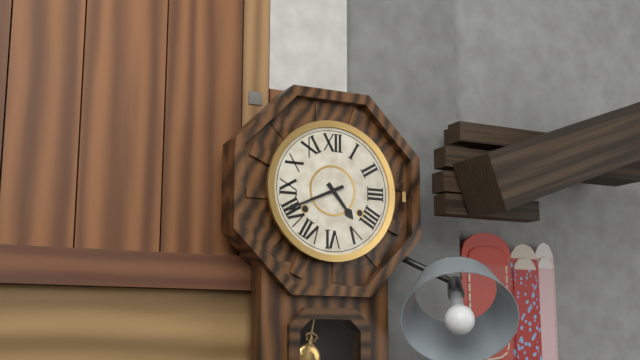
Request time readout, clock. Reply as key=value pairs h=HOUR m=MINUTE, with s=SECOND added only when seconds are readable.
h=4 m=41
